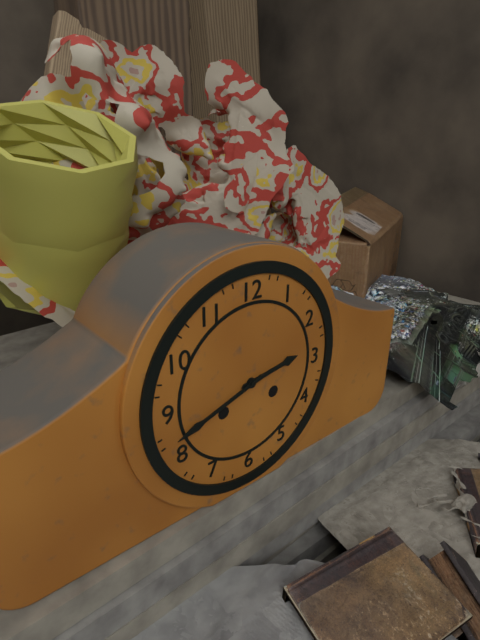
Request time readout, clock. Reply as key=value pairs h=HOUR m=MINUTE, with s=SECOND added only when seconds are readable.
h=2 m=42
